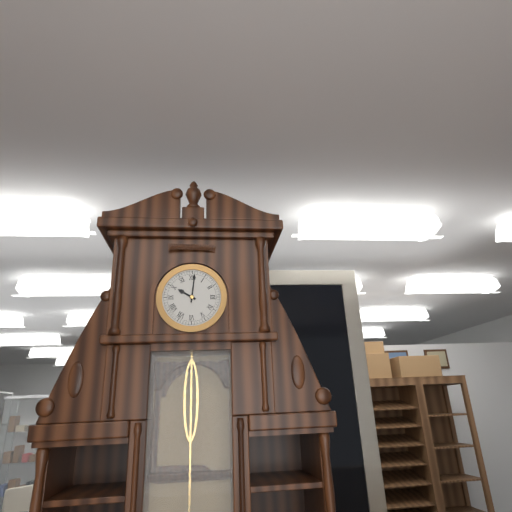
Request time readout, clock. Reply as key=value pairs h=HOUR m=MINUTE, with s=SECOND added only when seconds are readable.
h=10 m=1
